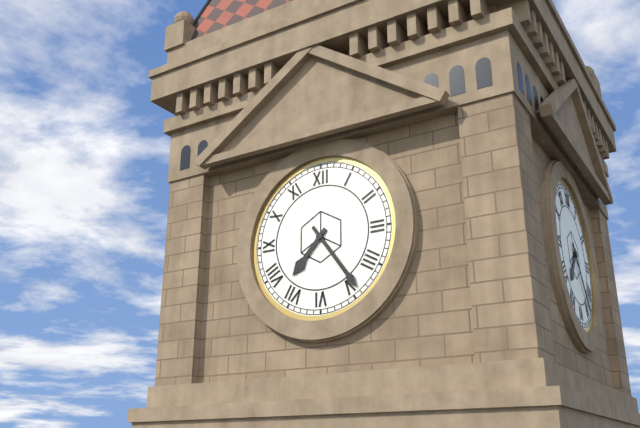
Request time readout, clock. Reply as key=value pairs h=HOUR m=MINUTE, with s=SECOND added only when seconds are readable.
h=7 m=24
